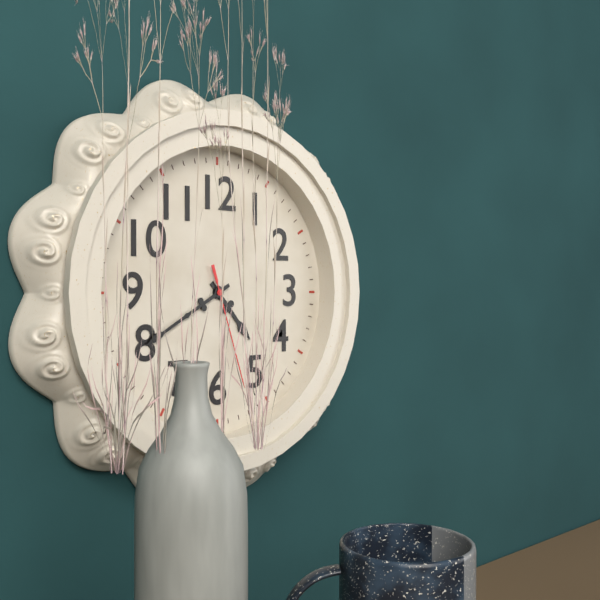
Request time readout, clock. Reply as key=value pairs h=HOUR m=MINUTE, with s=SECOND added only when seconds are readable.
h=4 m=40 s=27
